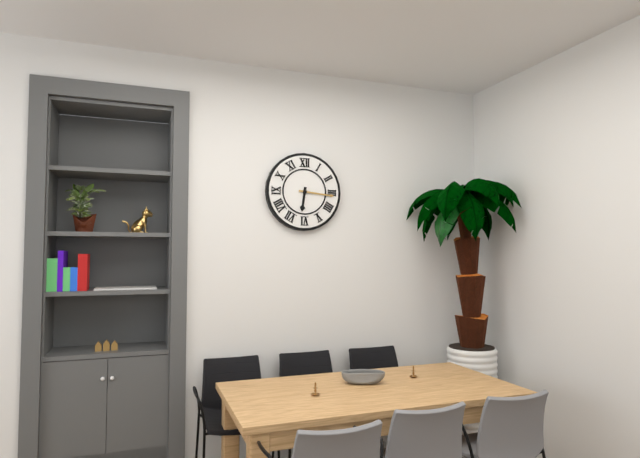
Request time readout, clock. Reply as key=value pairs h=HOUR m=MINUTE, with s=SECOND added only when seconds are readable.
h=6 m=16
